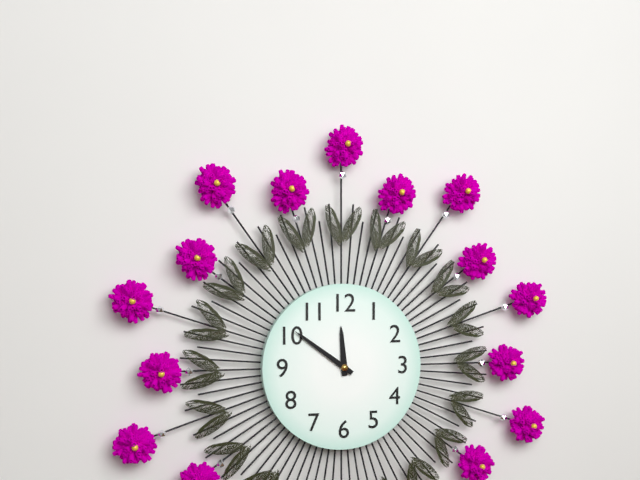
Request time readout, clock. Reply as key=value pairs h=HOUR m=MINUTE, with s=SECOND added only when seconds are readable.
h=11 m=51
